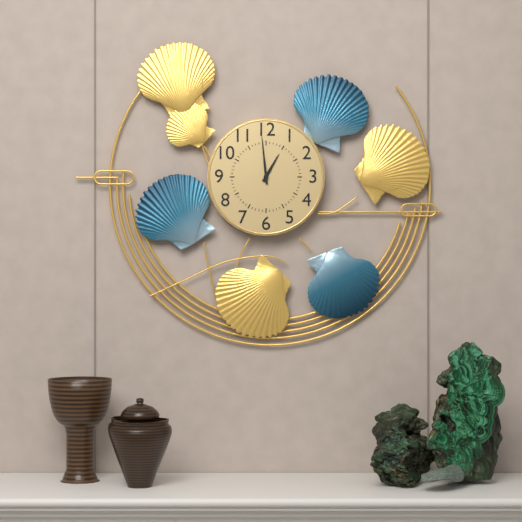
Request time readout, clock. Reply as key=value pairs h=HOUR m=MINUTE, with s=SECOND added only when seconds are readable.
h=12 m=59
